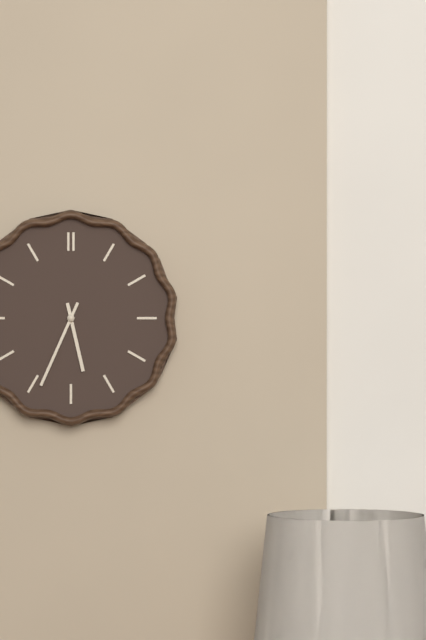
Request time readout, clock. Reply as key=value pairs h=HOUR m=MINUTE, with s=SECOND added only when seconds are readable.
h=5 m=34
